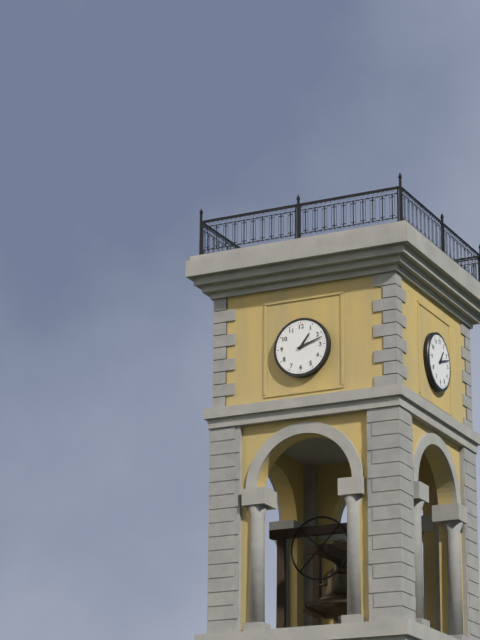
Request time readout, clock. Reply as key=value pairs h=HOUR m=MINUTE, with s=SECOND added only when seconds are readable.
h=1 m=12
